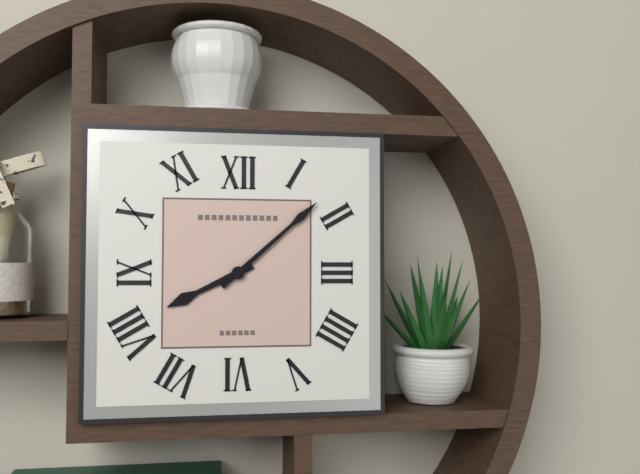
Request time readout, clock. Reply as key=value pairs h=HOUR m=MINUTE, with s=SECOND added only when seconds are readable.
h=8 m=8
